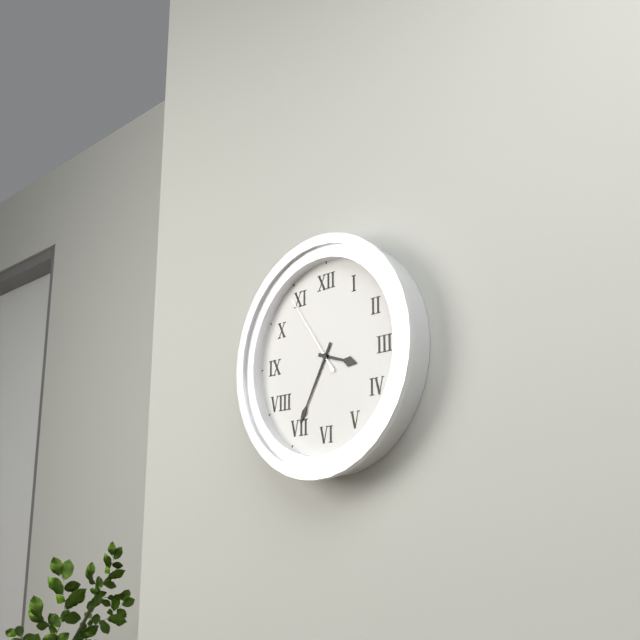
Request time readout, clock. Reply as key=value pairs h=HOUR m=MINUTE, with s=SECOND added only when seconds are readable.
h=3 m=35 s=54
